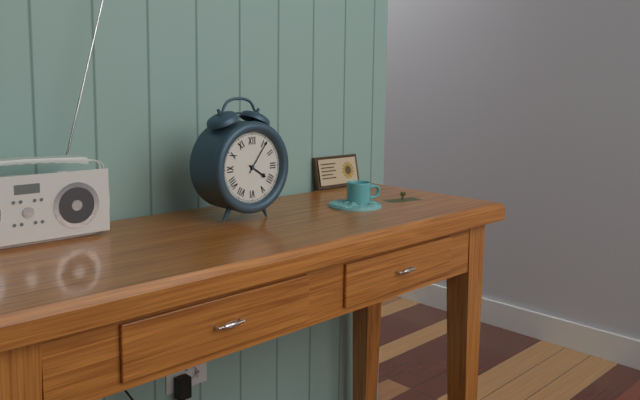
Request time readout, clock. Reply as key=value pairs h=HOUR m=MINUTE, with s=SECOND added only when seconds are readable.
h=4 m=6
